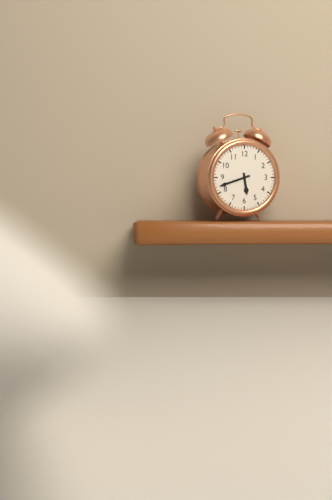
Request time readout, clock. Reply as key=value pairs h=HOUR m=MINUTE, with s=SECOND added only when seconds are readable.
h=5 m=42
